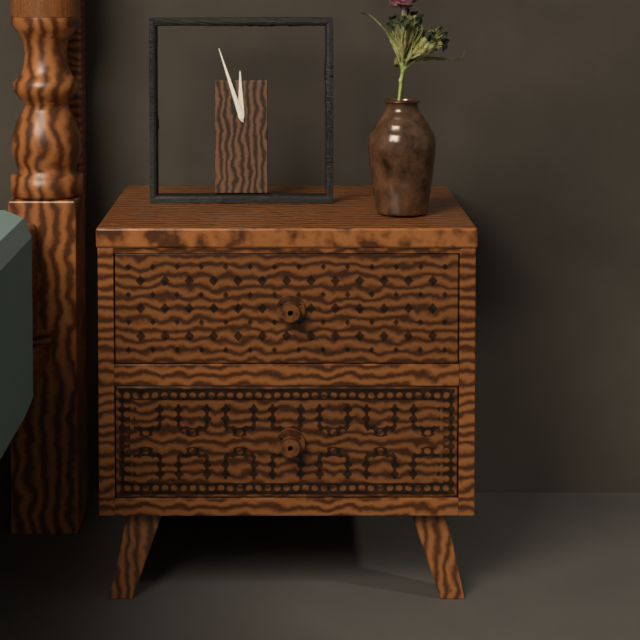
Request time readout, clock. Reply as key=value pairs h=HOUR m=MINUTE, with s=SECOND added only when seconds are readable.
h=11 m=57
